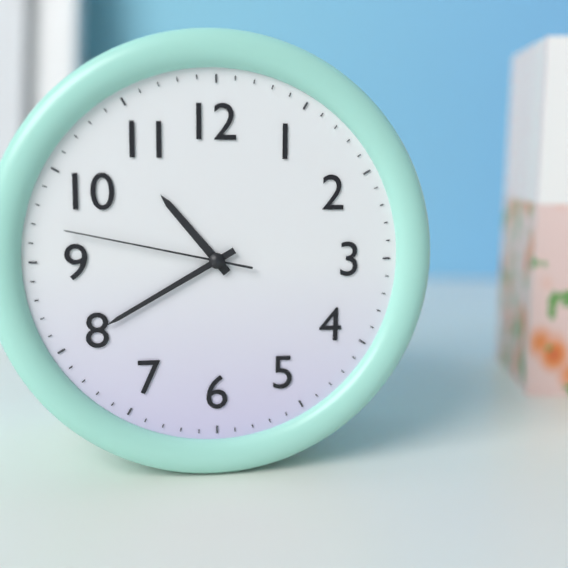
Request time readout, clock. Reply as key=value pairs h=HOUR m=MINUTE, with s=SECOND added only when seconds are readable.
h=10 m=40 s=47
